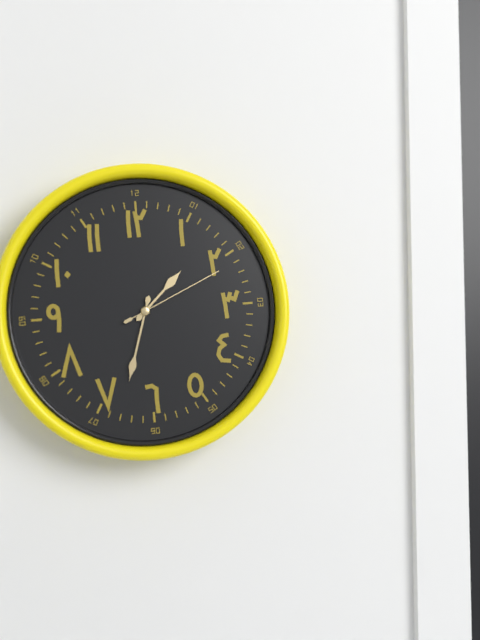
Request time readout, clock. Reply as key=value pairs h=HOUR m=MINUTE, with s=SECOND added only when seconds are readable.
h=1 m=33 s=11
